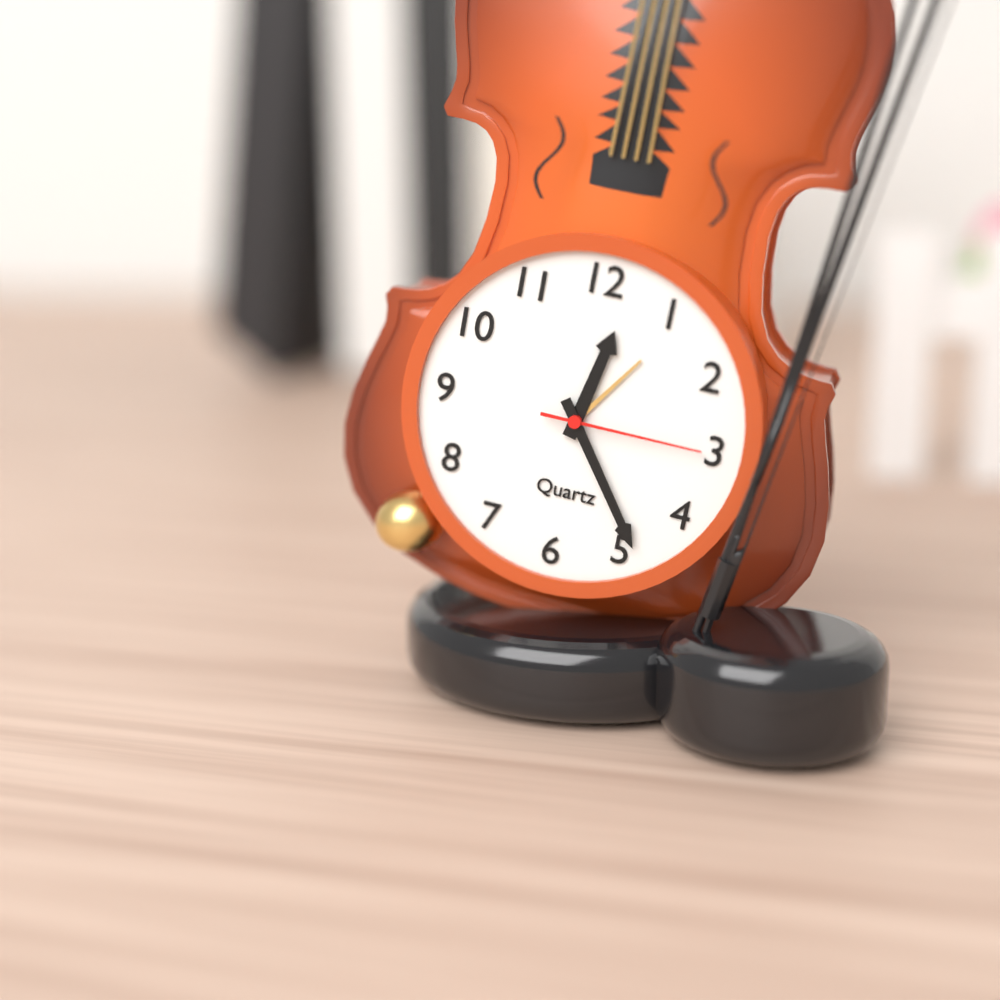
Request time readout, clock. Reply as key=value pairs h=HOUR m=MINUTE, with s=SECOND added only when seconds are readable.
h=12 m=24 s=15
